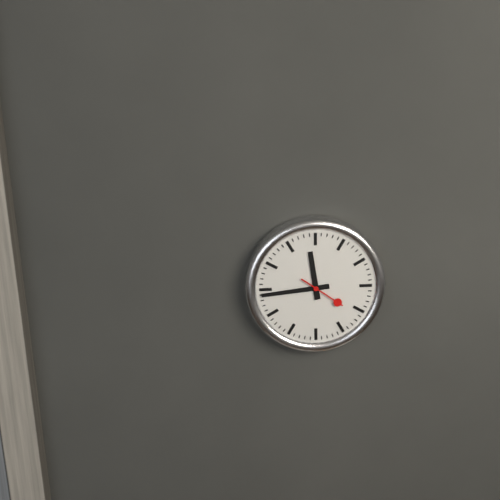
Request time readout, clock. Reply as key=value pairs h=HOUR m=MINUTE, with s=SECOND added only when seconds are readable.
h=11 m=44
